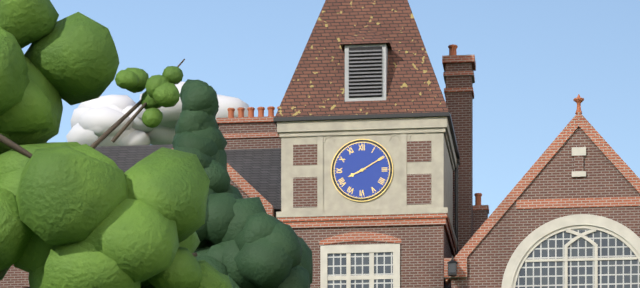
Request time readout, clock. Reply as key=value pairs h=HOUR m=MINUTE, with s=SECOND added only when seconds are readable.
h=8 m=10
